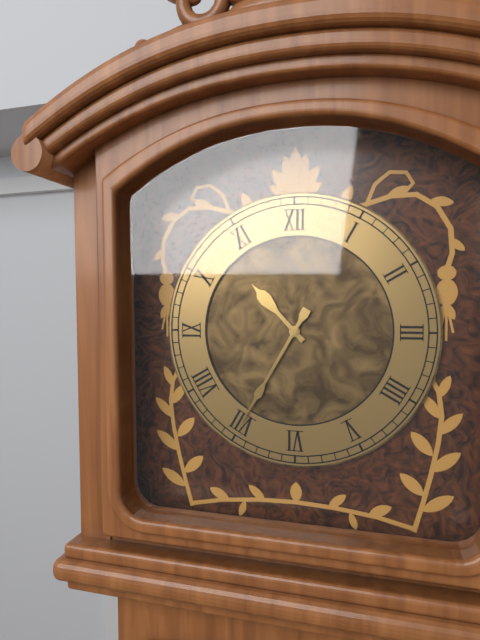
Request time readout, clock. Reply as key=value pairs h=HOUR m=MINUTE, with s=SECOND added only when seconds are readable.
h=10 m=35
